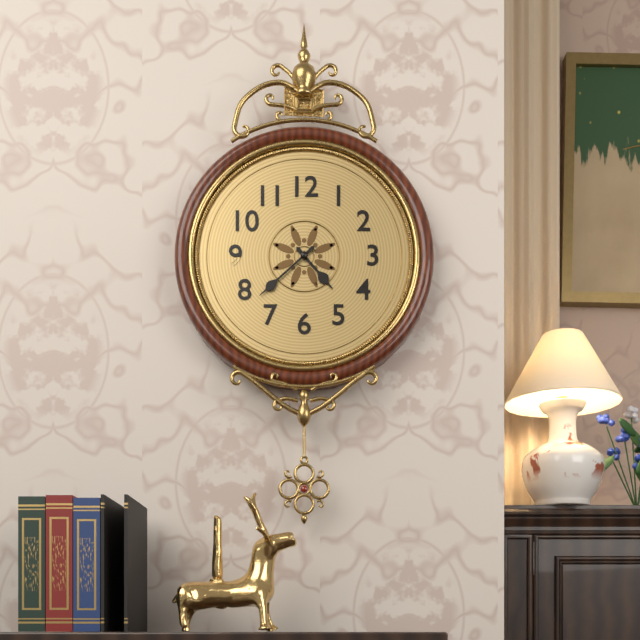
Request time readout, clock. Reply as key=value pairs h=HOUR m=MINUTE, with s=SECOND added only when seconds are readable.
h=4 m=38
